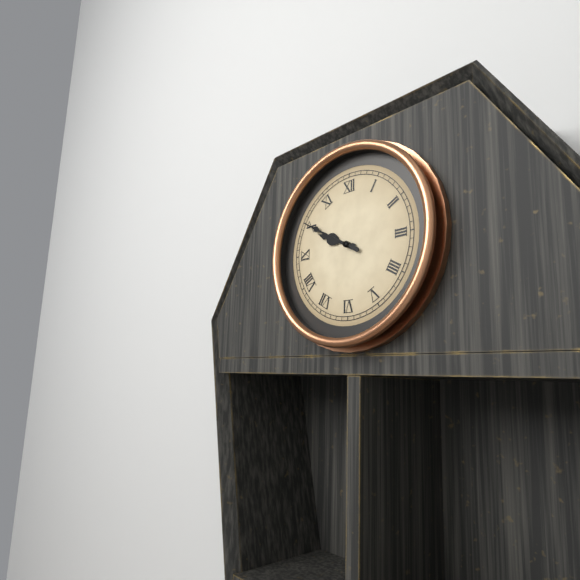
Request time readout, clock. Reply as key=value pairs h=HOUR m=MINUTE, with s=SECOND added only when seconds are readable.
h=9 m=50
